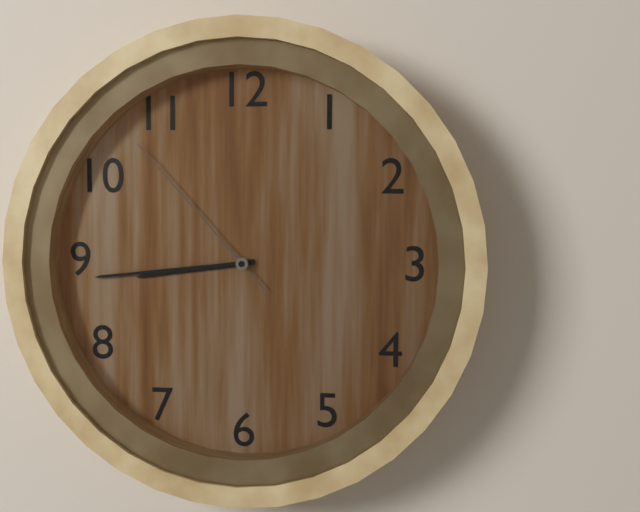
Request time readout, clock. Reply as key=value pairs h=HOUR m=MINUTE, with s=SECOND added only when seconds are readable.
h=8 m=44 s=53
